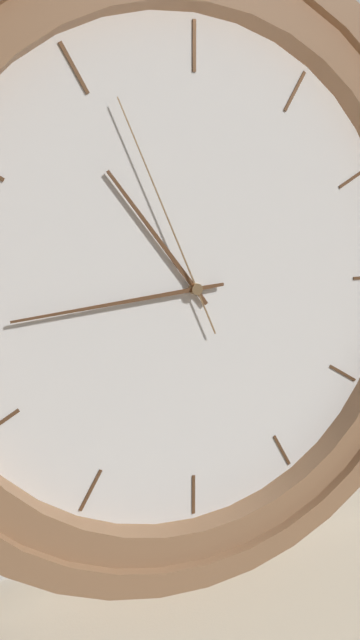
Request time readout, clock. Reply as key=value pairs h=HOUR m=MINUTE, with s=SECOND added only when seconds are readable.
h=10 m=44 s=56
